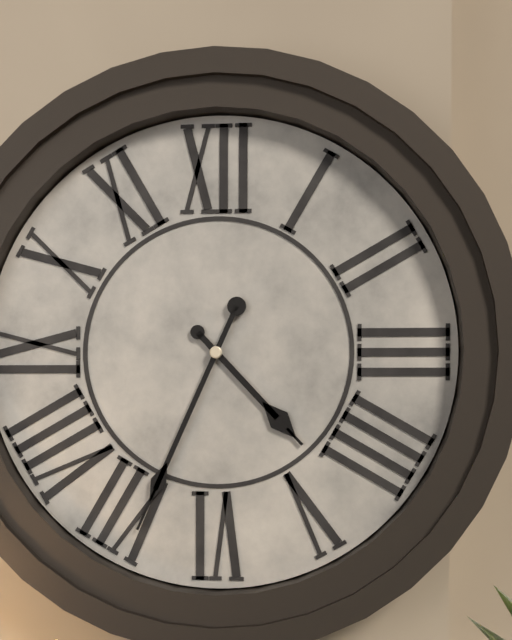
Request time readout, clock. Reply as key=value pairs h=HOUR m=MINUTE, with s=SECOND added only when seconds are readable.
h=4 m=34
